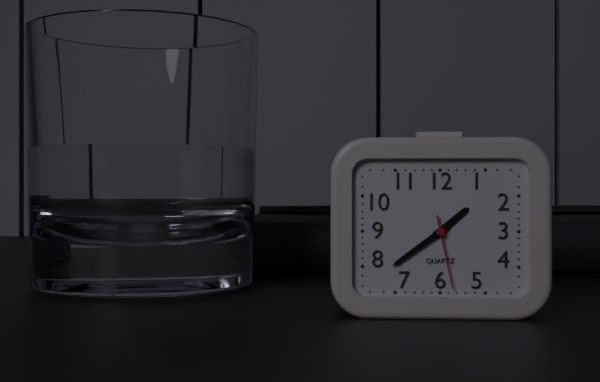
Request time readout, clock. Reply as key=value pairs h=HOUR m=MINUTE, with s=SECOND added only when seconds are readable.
h=1 m=39 s=28
